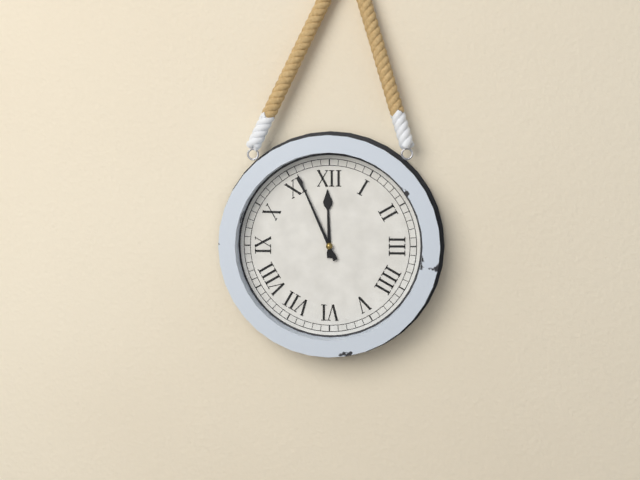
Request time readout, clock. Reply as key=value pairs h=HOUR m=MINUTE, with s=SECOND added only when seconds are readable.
h=11 m=56
